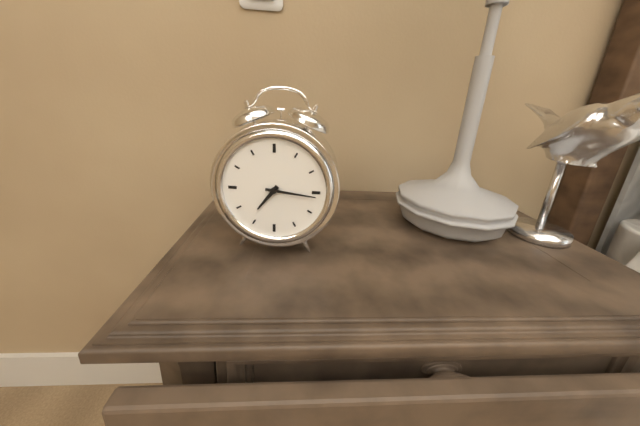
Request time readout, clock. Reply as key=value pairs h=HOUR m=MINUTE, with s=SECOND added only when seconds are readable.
h=7 m=16
